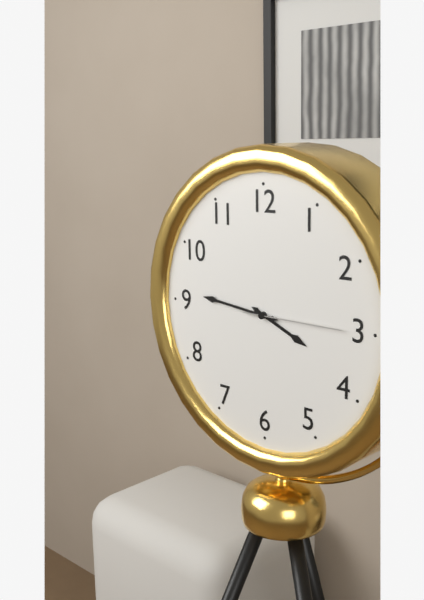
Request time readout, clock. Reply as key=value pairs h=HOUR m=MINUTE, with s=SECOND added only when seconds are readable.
h=3 m=46 s=15
